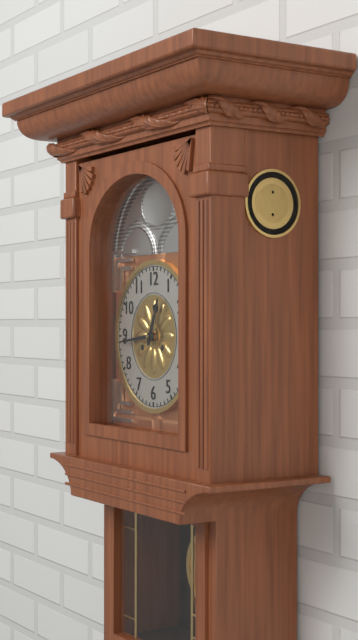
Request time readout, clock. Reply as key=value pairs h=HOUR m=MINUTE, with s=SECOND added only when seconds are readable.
h=12 m=44
